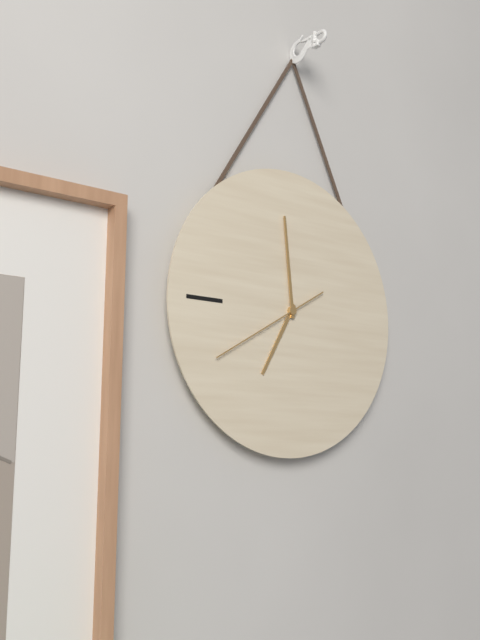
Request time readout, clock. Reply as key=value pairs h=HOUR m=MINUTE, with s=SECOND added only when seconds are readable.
h=6 m=59 s=40
